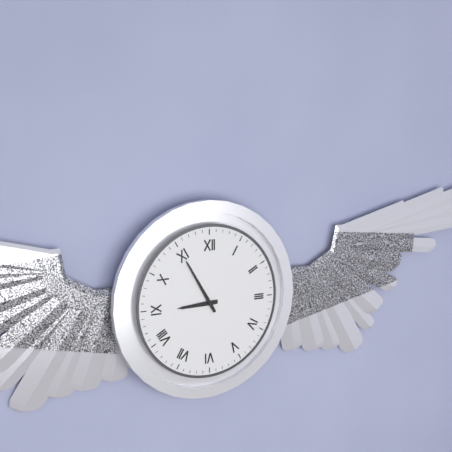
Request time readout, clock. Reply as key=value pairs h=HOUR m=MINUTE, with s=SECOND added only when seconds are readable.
h=8 m=55
